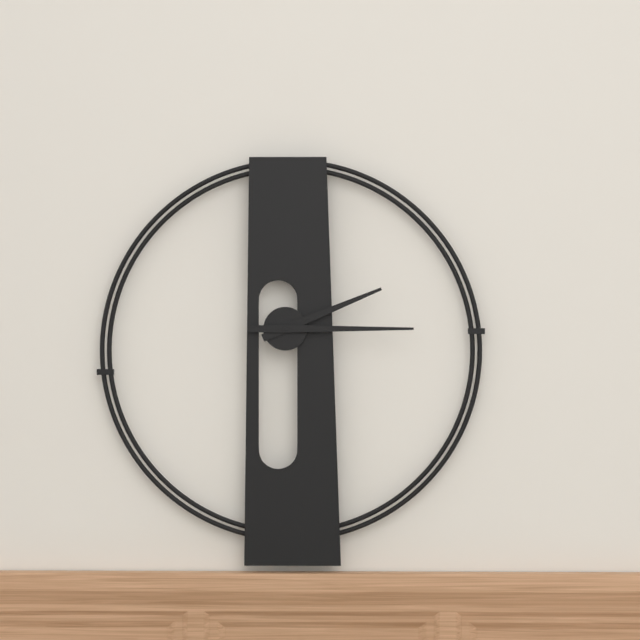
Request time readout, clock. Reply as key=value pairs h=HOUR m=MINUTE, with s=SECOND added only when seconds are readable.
h=2 m=15
